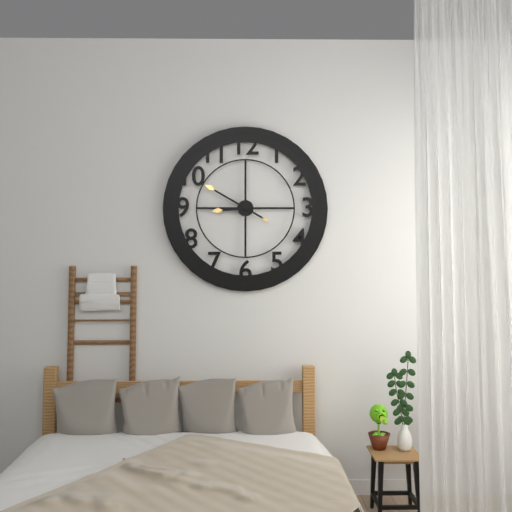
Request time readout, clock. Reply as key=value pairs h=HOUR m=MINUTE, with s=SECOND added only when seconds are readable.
h=8 m=50
